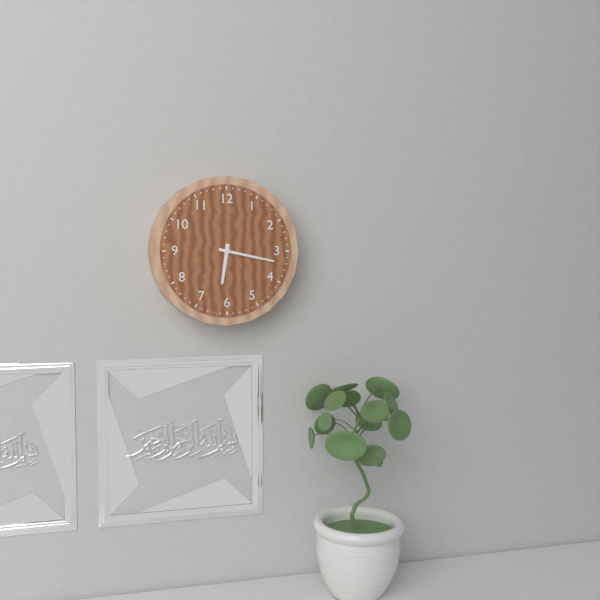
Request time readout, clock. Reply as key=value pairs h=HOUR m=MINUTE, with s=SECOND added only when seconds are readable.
h=6 m=17
